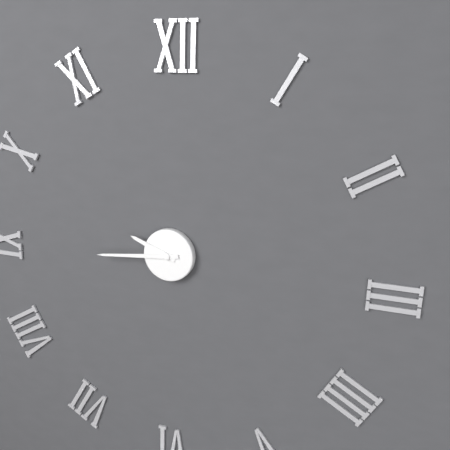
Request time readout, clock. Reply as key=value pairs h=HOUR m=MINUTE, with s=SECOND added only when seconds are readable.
h=9 m=44
